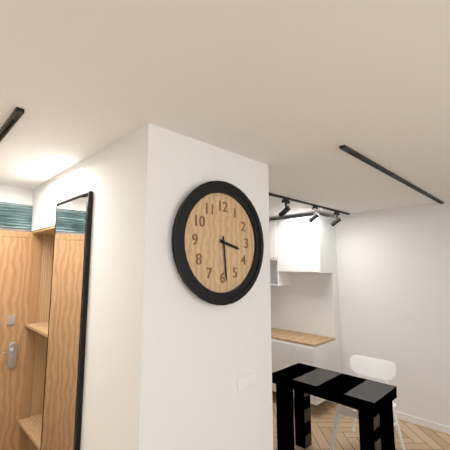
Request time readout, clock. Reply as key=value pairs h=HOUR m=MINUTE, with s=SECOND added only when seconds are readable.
h=3 m=29
